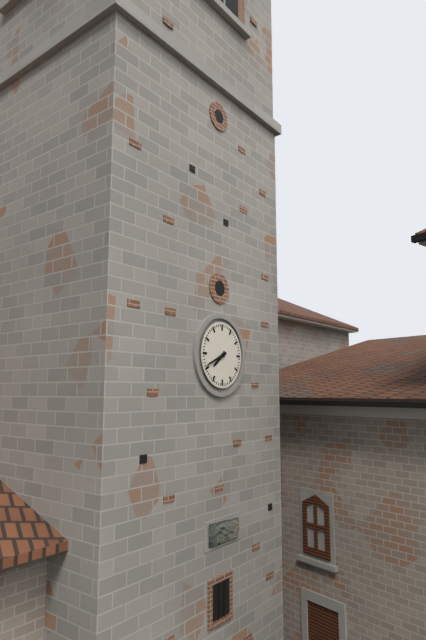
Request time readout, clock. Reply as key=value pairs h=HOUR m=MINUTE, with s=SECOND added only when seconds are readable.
h=7 m=41
